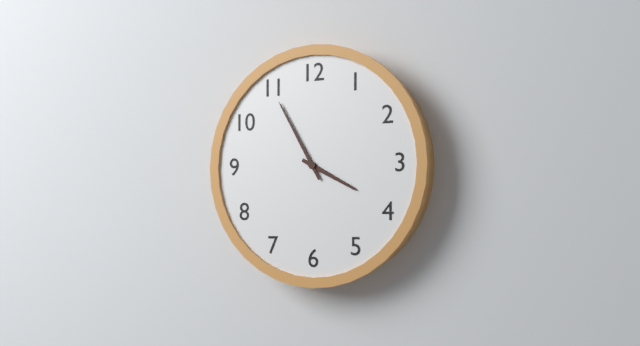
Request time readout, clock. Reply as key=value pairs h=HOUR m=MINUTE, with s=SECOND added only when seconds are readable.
h=3 m=55
